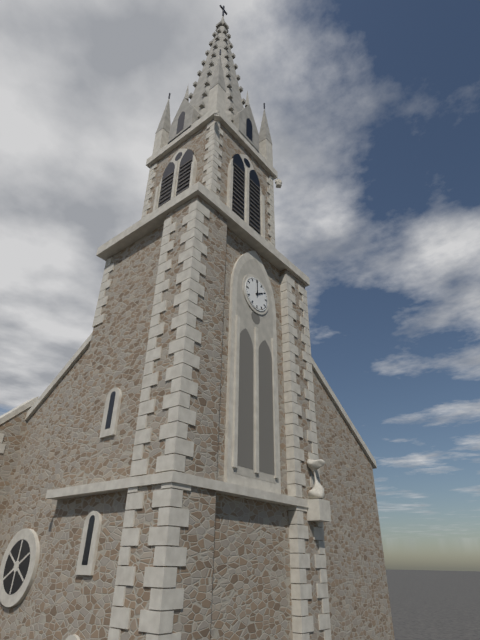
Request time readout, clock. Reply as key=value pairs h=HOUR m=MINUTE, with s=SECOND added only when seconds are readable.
h=2 m=0
